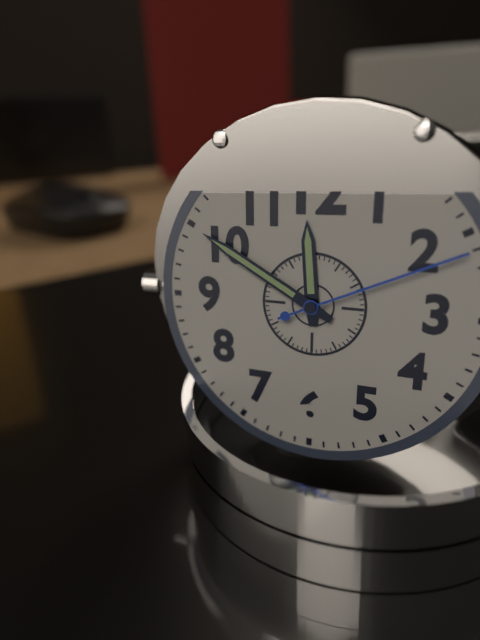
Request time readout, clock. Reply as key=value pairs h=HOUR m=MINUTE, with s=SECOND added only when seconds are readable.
h=11 m=50 s=11
